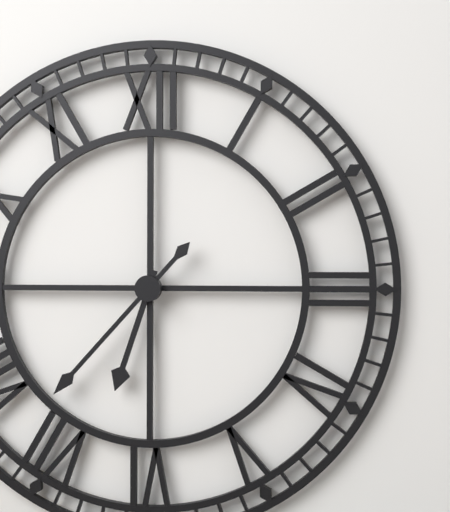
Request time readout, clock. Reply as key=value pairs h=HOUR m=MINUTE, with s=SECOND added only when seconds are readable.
h=6 m=37
